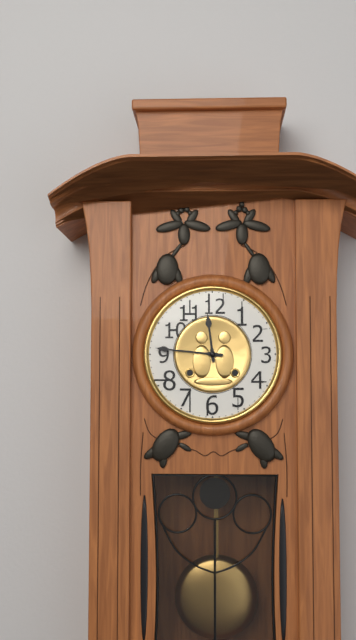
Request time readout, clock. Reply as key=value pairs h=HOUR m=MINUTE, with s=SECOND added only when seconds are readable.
h=11 m=46
